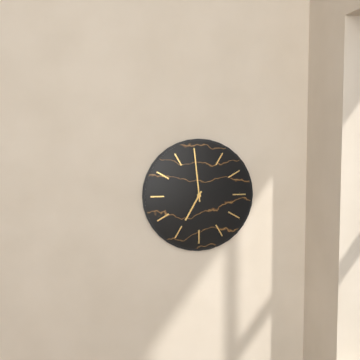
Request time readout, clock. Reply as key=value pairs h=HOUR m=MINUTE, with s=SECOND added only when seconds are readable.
h=6 m=59
